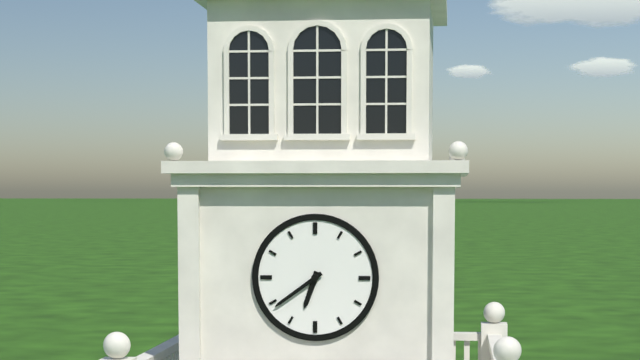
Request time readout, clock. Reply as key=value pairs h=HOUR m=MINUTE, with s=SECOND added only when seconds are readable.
h=6 m=39
